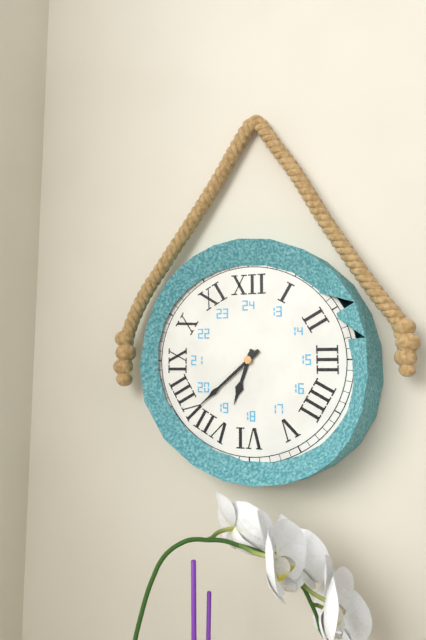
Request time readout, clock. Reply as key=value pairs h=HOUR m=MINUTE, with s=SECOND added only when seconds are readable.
h=6 m=38
